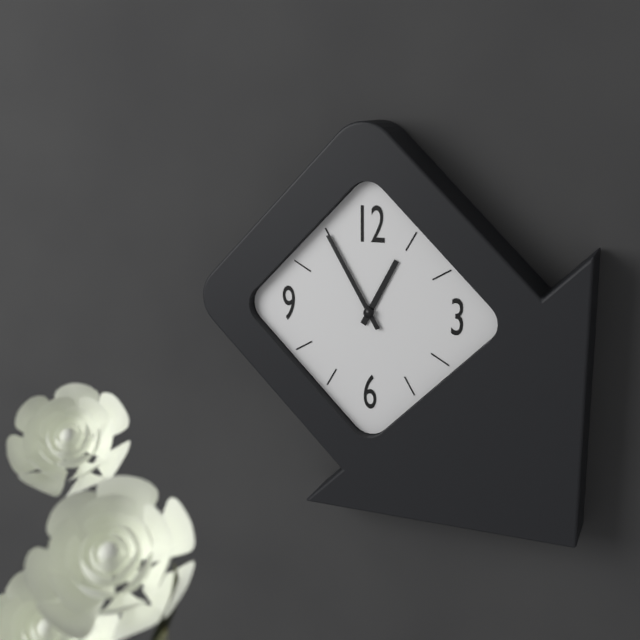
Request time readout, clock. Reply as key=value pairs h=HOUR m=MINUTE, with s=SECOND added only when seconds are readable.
h=12 m=55
